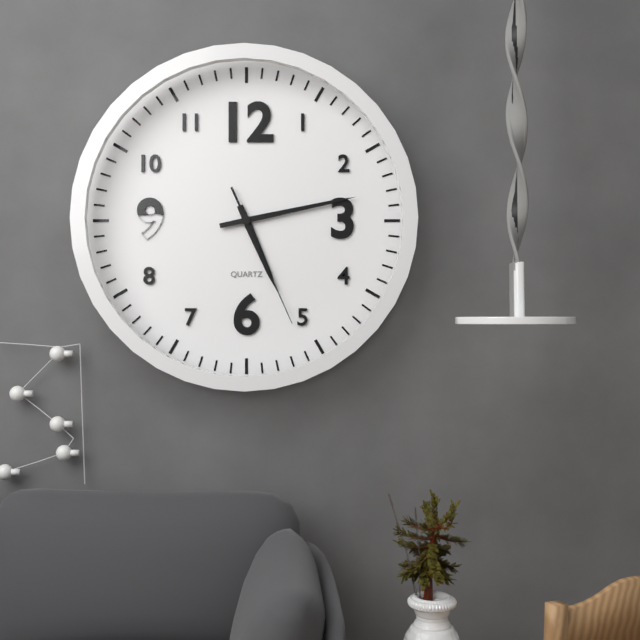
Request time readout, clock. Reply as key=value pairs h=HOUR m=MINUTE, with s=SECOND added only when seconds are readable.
h=5 m=13 s=26
